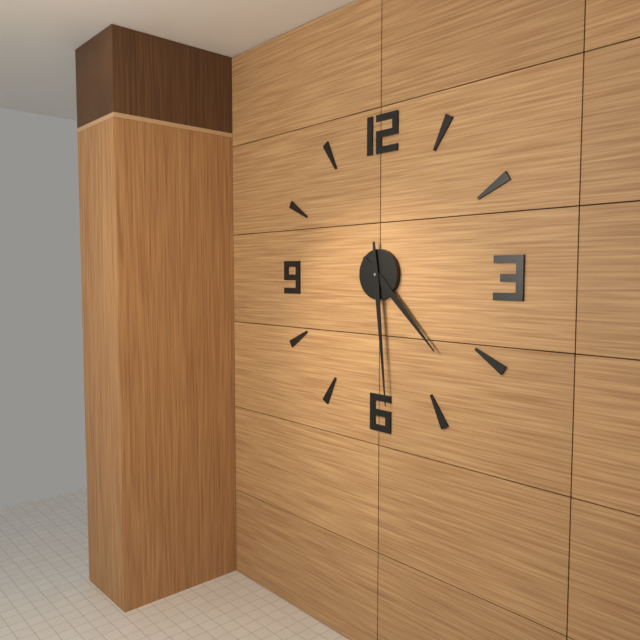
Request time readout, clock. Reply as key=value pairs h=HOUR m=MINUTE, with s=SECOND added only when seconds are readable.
h=4 m=29
